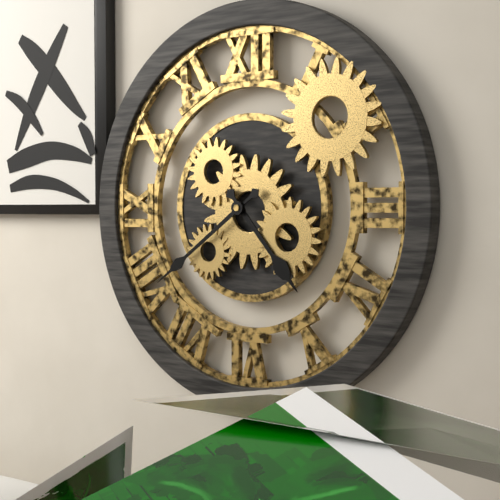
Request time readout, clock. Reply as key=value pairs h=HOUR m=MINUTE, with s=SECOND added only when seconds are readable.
h=4 m=39
